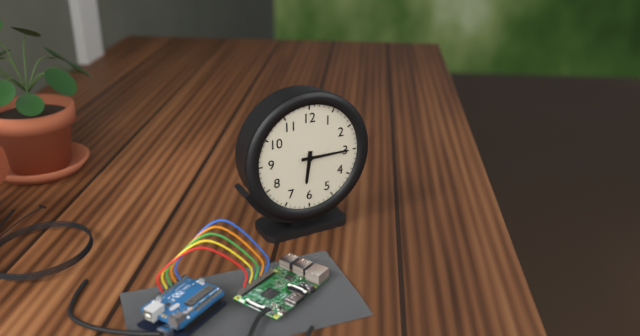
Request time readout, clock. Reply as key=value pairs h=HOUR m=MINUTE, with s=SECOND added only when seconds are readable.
h=6 m=15
